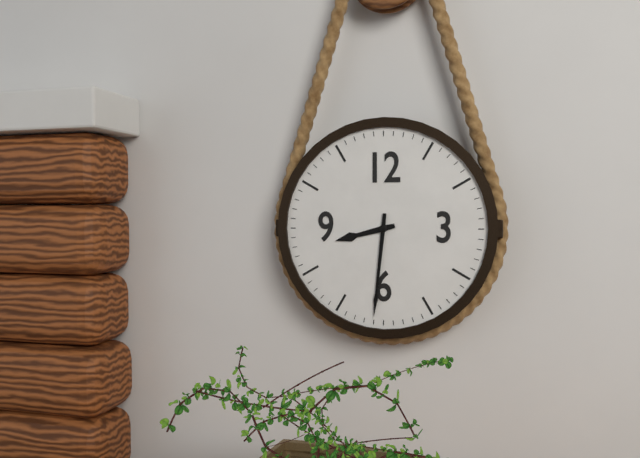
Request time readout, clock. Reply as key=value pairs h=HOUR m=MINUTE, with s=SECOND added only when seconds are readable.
h=8 m=31
